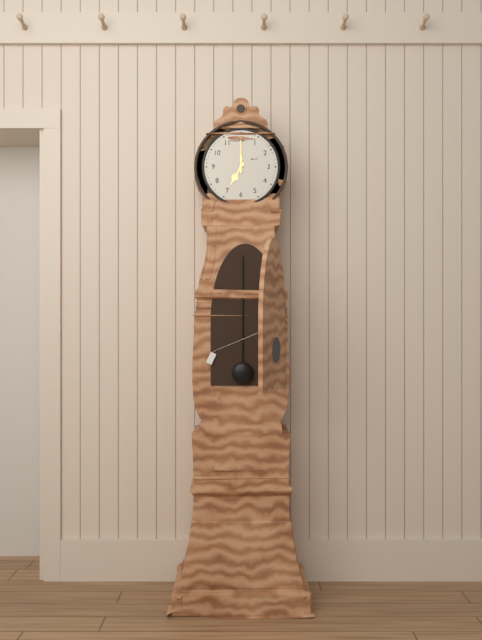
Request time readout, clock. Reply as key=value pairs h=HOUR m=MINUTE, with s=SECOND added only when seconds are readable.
h=7 m=0
